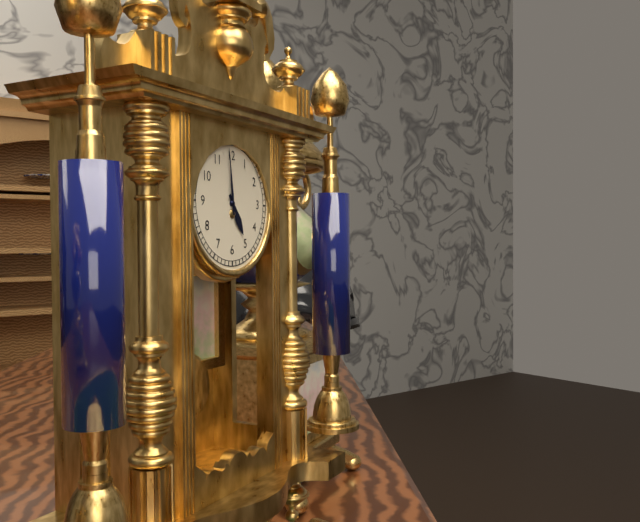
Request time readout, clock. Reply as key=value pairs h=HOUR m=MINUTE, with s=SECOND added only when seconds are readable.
h=4 m=59
